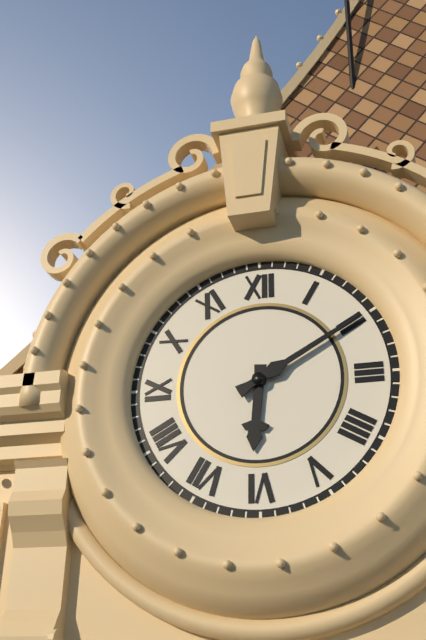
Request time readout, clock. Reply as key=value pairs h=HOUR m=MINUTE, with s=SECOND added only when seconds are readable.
h=6 m=10
